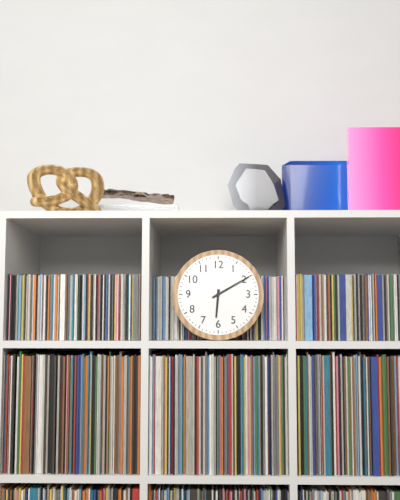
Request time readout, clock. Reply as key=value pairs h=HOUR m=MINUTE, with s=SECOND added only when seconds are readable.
h=6 m=10
